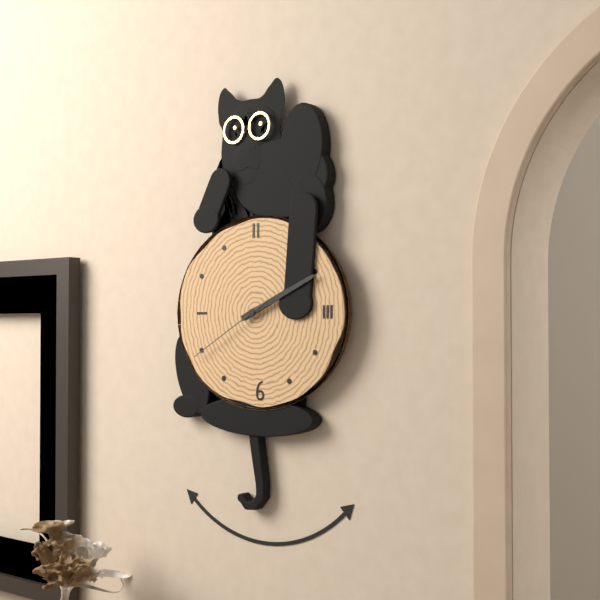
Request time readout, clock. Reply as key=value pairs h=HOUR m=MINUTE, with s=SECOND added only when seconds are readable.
h=2 m=11 s=40
